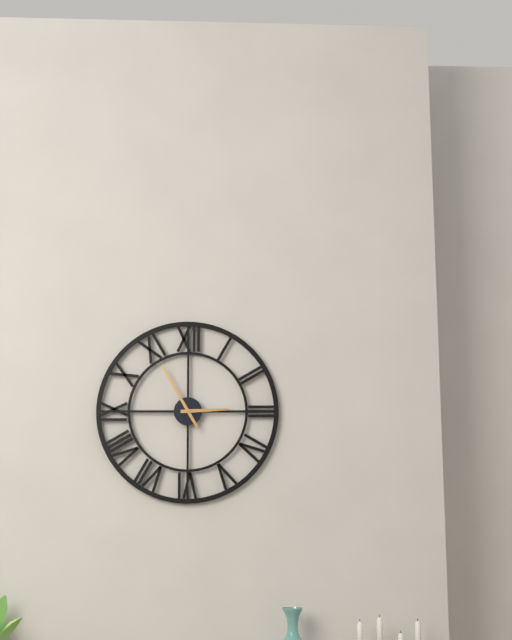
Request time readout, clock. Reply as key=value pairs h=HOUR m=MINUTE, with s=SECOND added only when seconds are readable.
h=2 m=55
